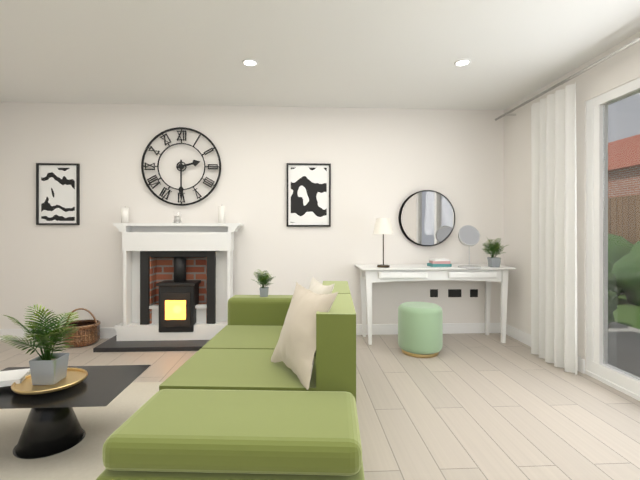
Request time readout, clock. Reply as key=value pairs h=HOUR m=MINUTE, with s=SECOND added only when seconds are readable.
h=2 m=30
